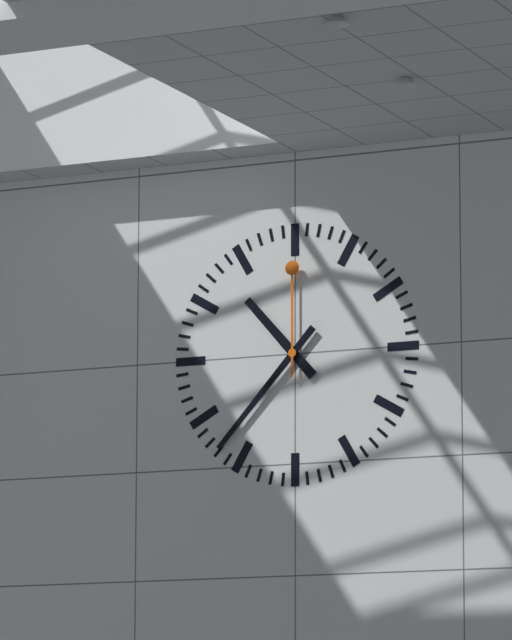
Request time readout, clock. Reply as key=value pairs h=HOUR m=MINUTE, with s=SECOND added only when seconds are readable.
h=10 m=37 s=0
